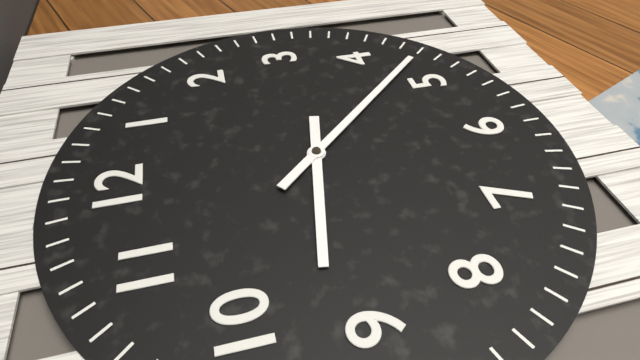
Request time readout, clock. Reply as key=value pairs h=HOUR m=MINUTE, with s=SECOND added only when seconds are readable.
h=9 m=23
